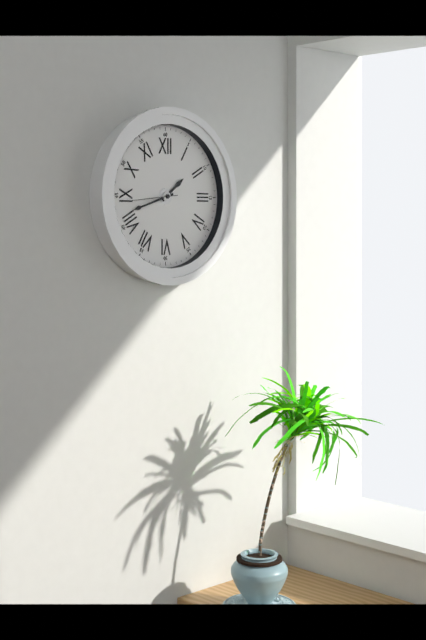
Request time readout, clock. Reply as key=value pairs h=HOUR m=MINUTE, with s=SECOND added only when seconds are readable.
h=1 m=42 s=44
